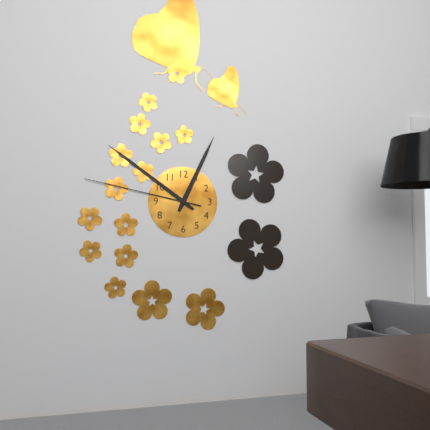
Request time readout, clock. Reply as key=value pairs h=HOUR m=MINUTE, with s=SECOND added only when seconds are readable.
h=12 m=51 s=47
